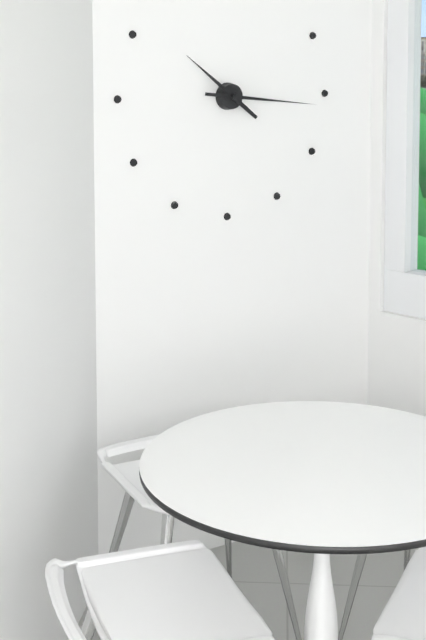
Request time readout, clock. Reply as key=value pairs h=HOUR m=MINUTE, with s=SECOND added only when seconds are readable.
h=10 m=16
